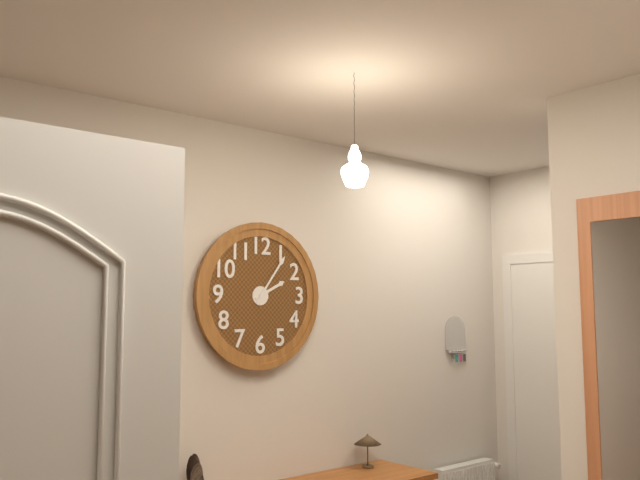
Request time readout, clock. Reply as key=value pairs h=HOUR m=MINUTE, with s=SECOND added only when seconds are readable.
h=2 m=6
